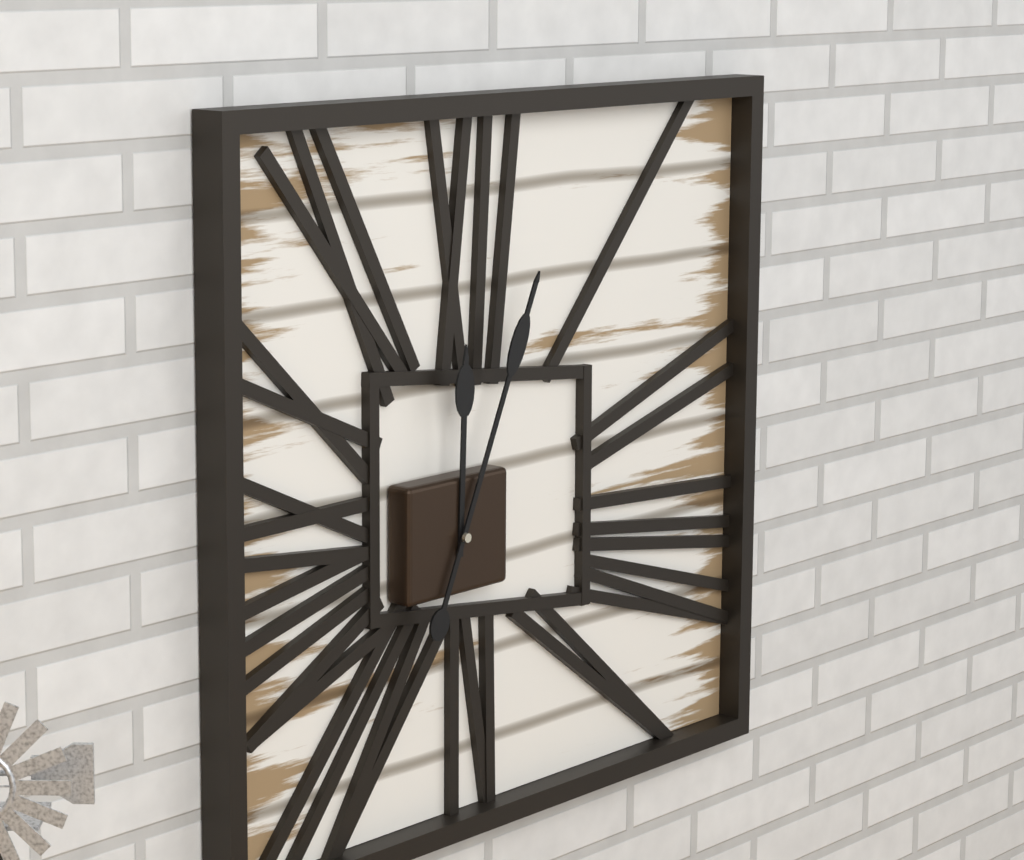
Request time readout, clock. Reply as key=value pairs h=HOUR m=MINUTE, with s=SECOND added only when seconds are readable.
h=12 m=4
